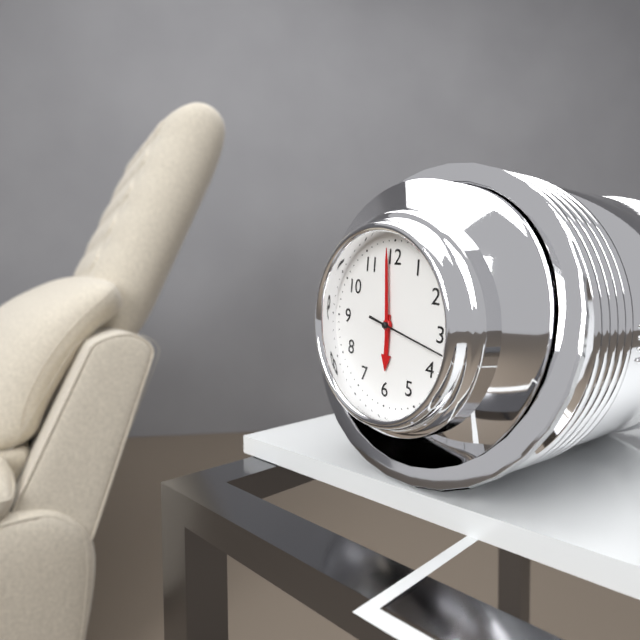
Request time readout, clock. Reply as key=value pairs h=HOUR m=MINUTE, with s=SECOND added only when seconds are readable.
h=5 m=59 s=17
